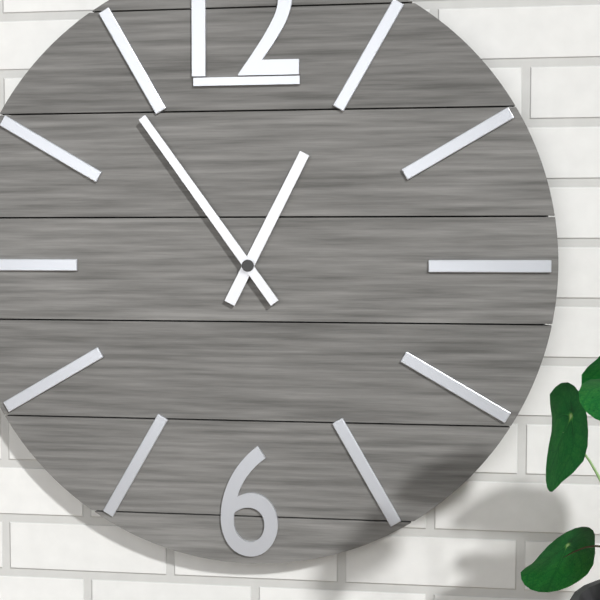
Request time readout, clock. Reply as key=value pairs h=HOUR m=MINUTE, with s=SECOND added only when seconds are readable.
h=12 m=54
